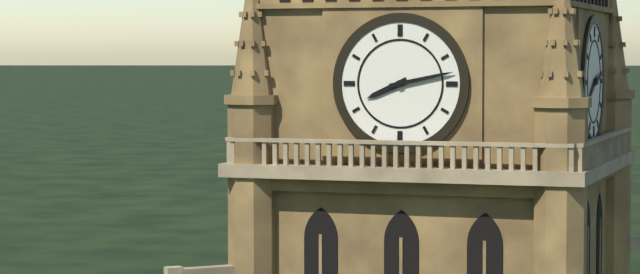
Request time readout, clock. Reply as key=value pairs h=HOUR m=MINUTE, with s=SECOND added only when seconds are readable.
h=8 m=13
